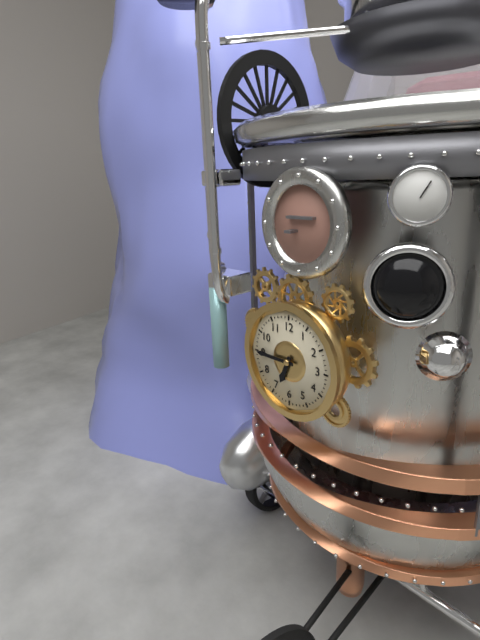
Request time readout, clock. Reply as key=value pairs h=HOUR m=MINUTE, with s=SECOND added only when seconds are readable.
h=6 m=45
